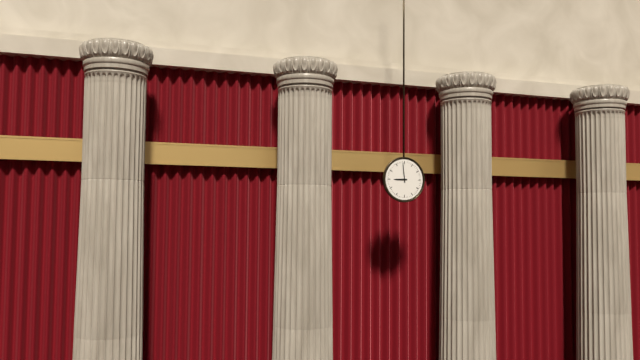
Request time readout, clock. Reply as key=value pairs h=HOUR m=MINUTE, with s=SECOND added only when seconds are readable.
h=8 m=59
